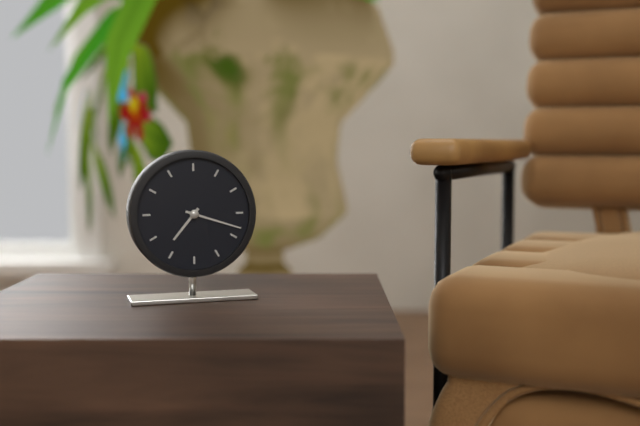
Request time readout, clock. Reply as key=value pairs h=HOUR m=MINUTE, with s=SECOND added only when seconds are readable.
h=7 m=18
